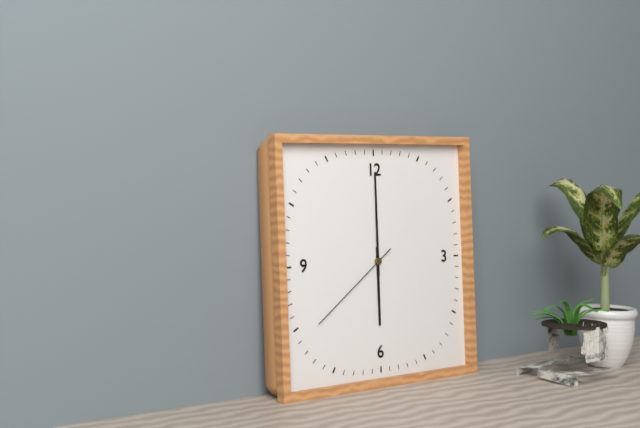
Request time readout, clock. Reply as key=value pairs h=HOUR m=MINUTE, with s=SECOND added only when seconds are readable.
h=6 m=0 s=39
